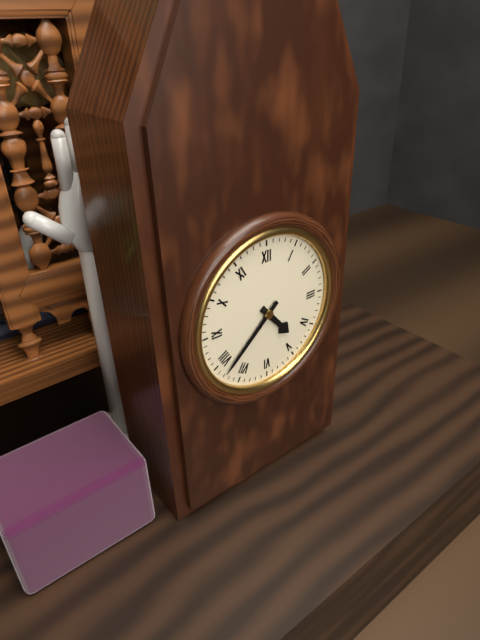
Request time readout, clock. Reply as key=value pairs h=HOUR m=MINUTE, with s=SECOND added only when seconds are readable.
h=4 m=38
